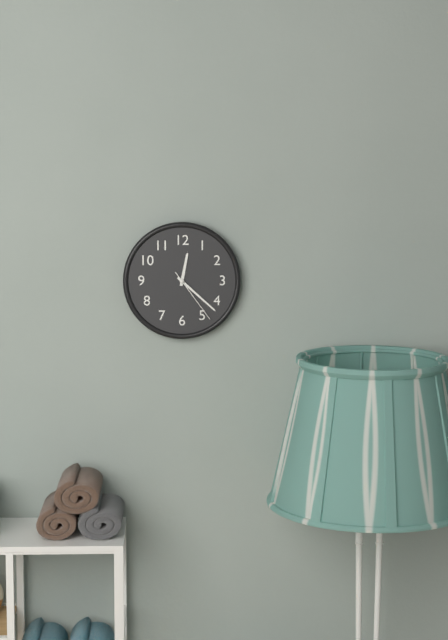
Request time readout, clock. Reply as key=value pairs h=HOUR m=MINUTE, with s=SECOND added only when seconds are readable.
h=12 m=22 s=24
